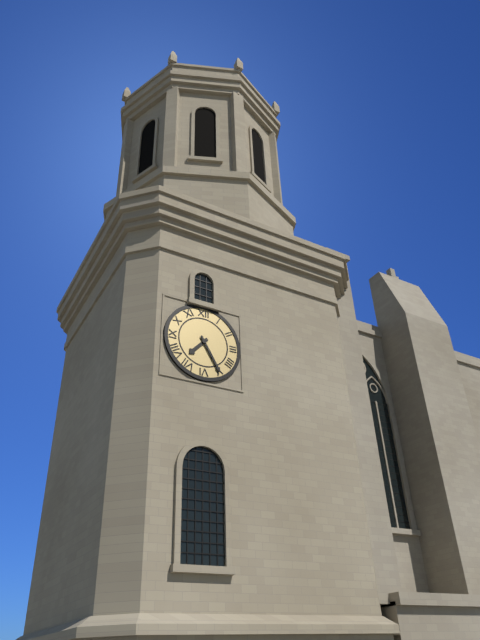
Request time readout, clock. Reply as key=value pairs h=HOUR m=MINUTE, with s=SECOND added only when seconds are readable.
h=7 m=25
